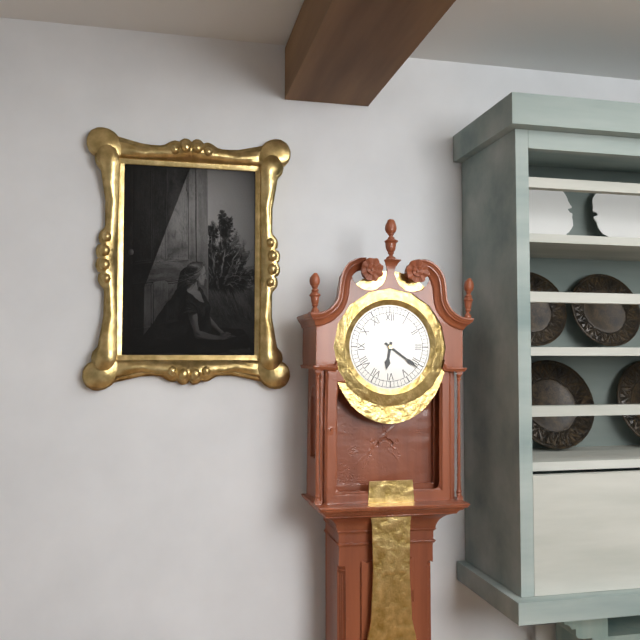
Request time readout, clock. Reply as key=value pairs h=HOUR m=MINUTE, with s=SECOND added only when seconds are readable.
h=6 m=21
